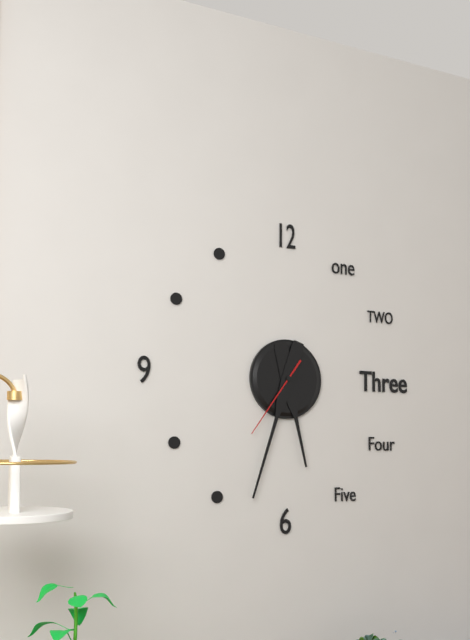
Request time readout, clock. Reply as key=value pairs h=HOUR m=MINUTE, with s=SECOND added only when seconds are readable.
h=5 m=33 s=36
